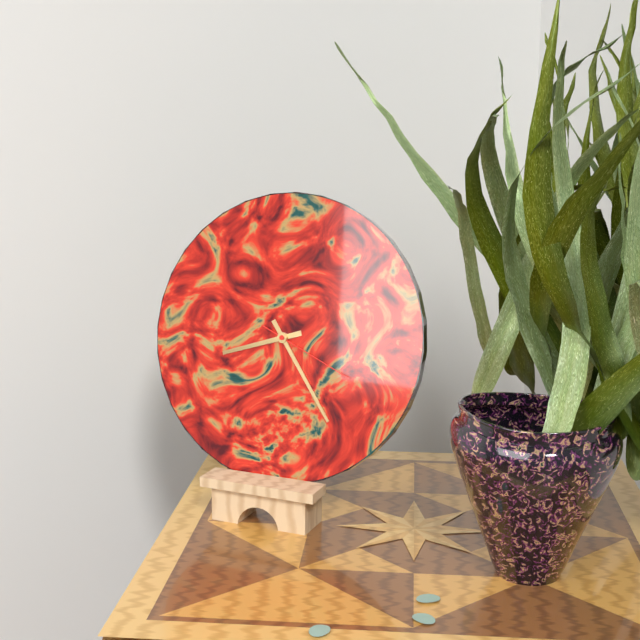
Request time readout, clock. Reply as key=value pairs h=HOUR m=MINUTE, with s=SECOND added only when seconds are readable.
h=8 m=24 s=19
